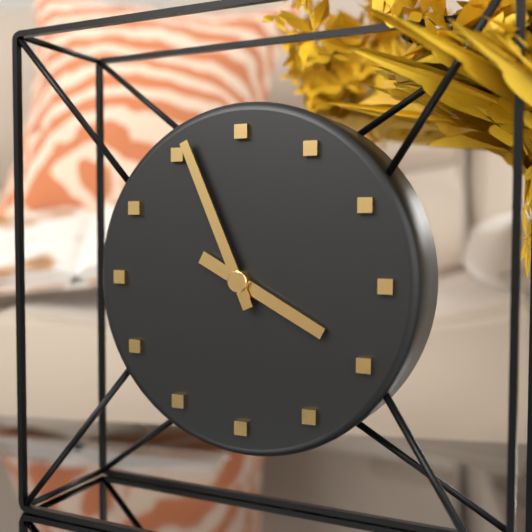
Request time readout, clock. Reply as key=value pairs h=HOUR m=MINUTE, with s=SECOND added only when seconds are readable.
h=3 m=56
